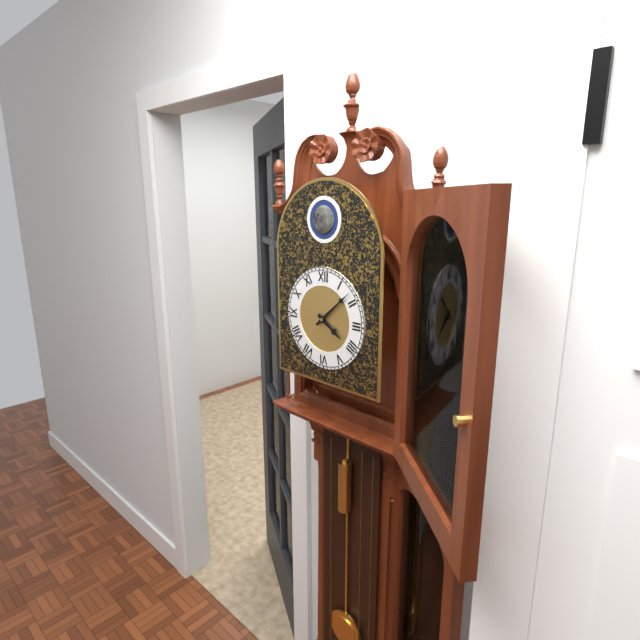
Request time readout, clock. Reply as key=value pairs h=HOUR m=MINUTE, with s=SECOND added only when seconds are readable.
h=4 m=8
